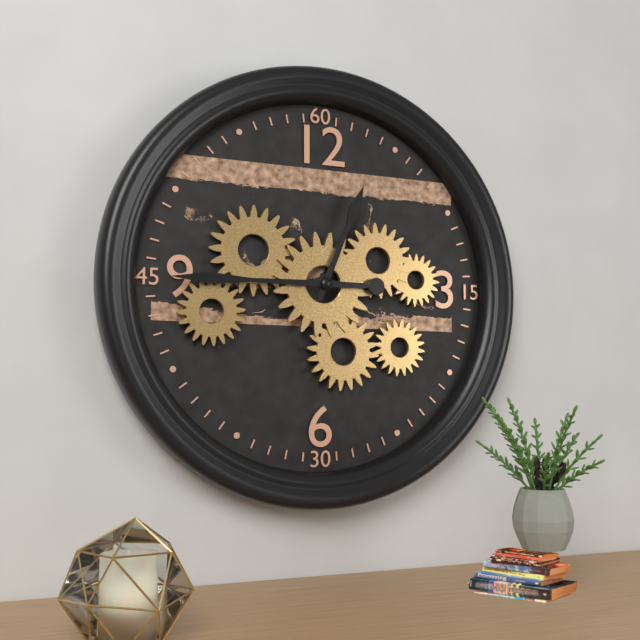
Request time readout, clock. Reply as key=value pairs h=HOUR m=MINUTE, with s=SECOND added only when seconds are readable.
h=12 m=45
